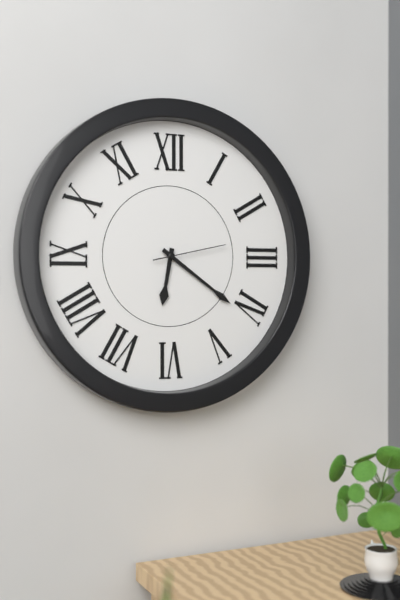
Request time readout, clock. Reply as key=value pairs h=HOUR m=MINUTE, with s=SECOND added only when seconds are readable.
h=6 m=21 s=13
